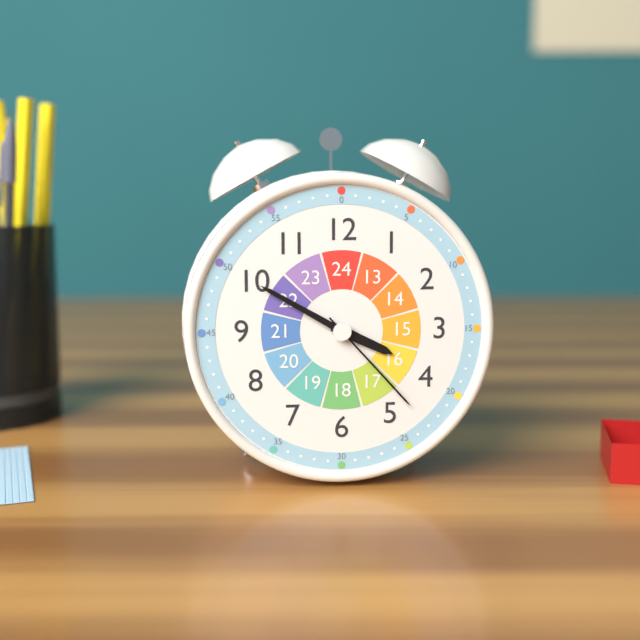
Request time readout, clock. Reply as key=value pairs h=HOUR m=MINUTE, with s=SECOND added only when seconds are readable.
h=3 m=50 s=23
